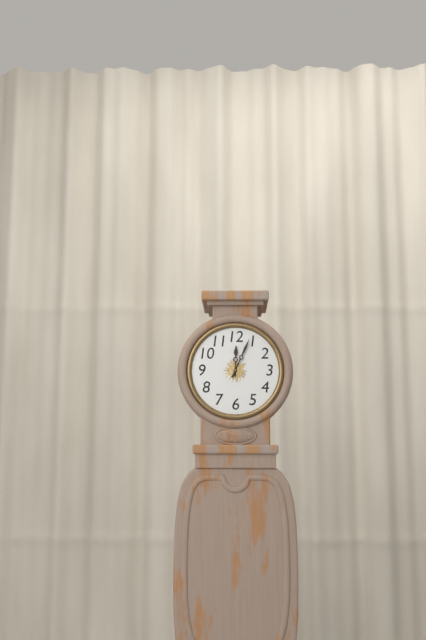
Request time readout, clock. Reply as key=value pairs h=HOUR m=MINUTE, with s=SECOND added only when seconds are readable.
h=12 m=4
